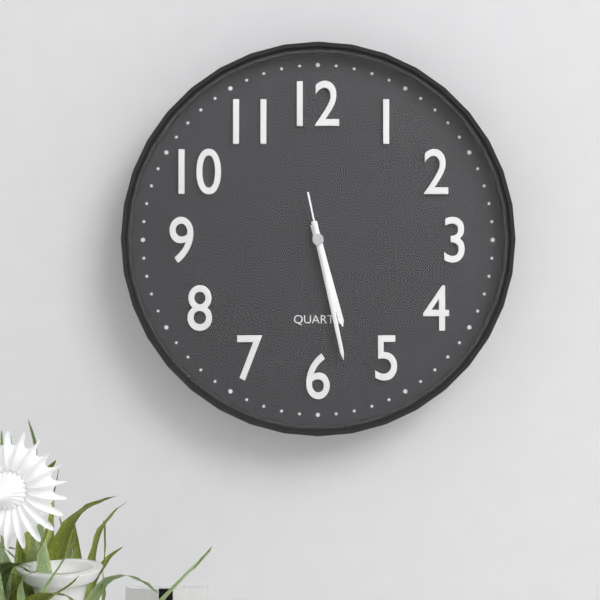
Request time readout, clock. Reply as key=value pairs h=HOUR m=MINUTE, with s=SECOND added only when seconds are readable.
h=5 m=28 s=28
